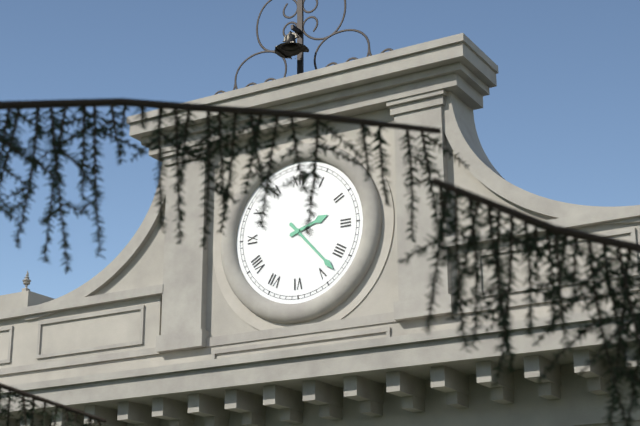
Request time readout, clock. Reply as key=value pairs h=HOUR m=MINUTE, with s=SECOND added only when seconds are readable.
h=2 m=23
